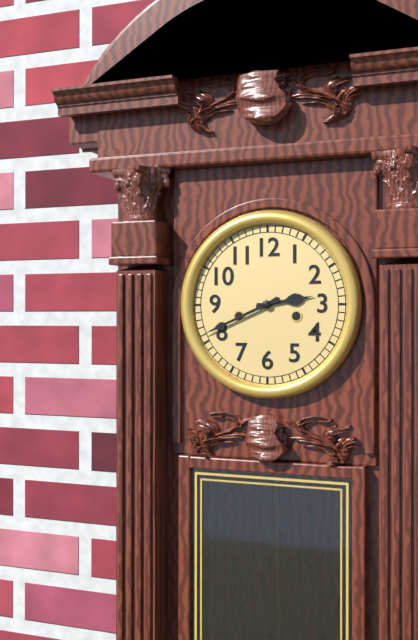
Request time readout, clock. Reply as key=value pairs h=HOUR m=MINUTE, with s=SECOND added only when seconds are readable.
h=2 m=41
